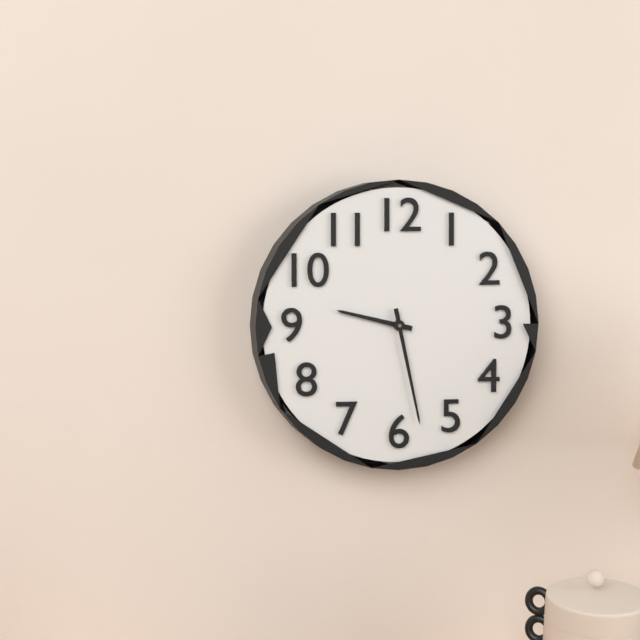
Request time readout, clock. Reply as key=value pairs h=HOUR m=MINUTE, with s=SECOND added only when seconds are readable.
h=9 m=28
